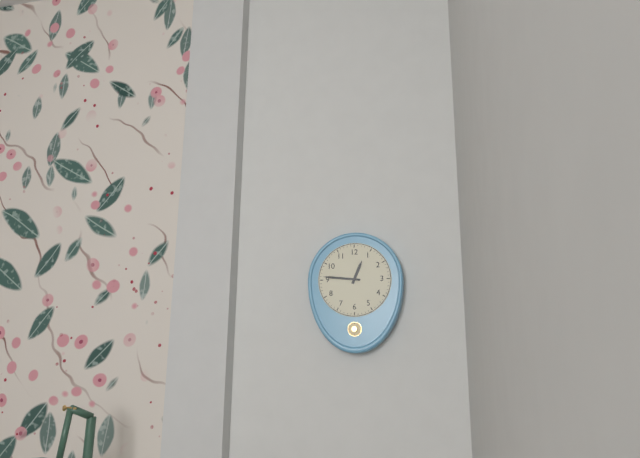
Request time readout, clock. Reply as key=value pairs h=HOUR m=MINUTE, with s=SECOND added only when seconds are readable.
h=12 m=46
